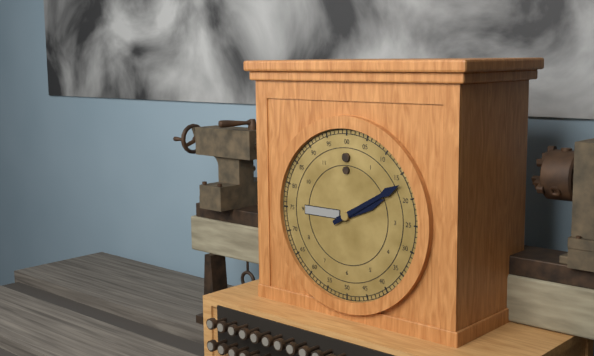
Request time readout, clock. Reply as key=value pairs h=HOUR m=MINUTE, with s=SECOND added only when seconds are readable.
h=2 m=10
